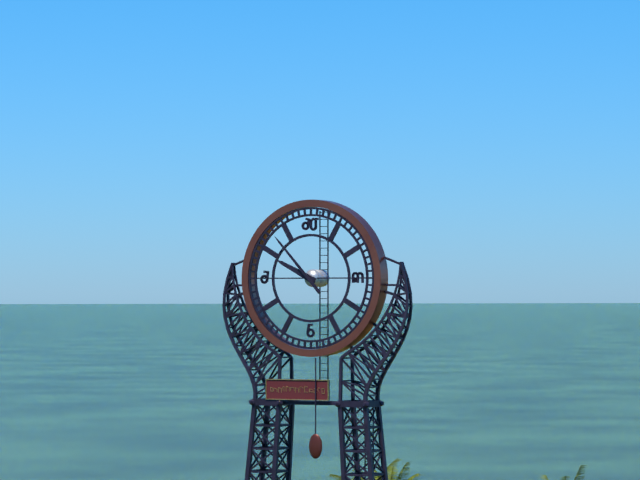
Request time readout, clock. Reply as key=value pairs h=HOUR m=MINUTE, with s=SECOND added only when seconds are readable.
h=9 m=53
